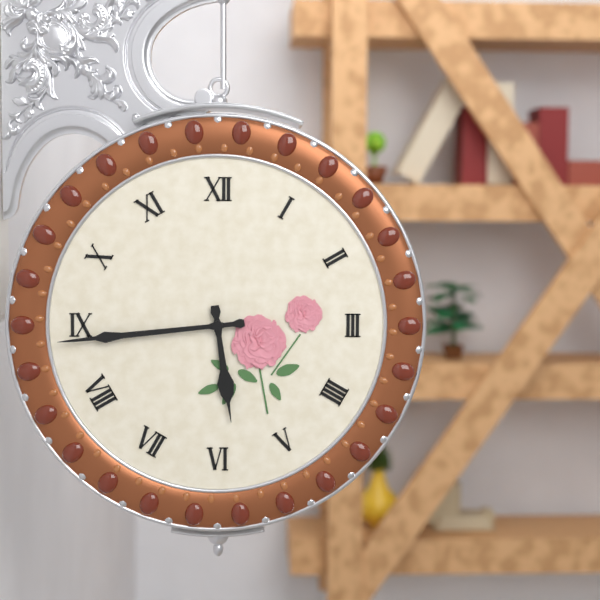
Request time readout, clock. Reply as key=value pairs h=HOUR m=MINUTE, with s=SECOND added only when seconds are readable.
h=5 m=44
